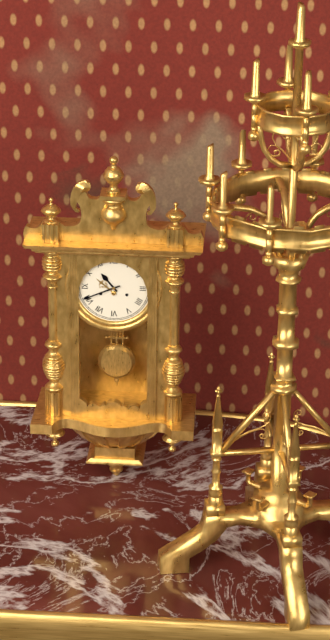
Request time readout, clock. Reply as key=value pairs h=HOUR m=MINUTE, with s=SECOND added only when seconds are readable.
h=10 m=41
